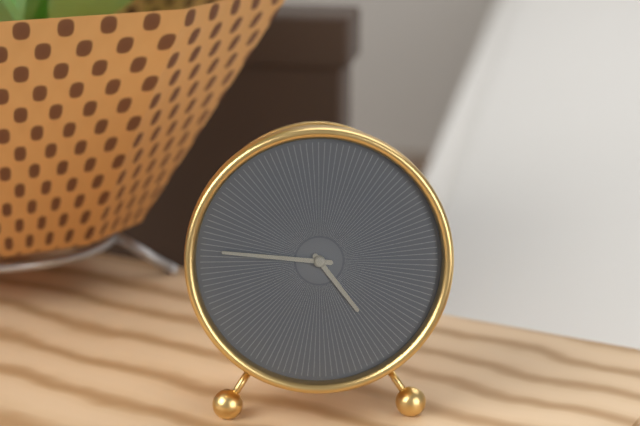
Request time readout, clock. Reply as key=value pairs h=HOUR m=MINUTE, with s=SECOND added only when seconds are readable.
h=4 m=46
